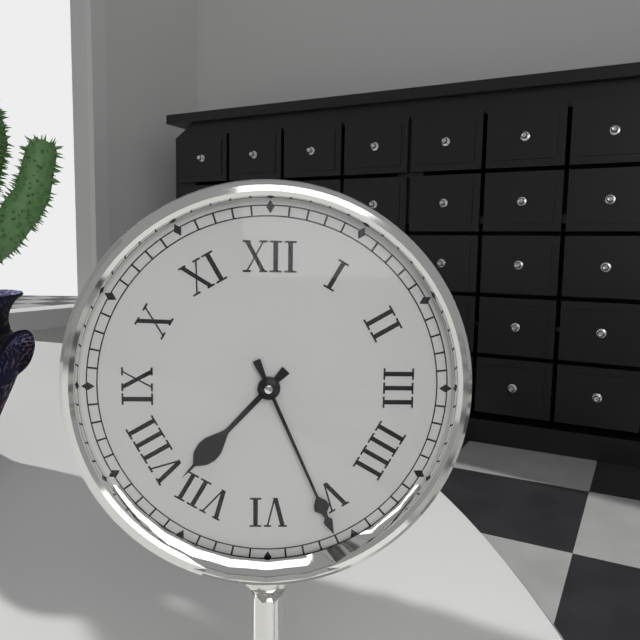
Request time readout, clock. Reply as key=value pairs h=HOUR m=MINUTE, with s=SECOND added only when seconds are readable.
h=7 m=26
